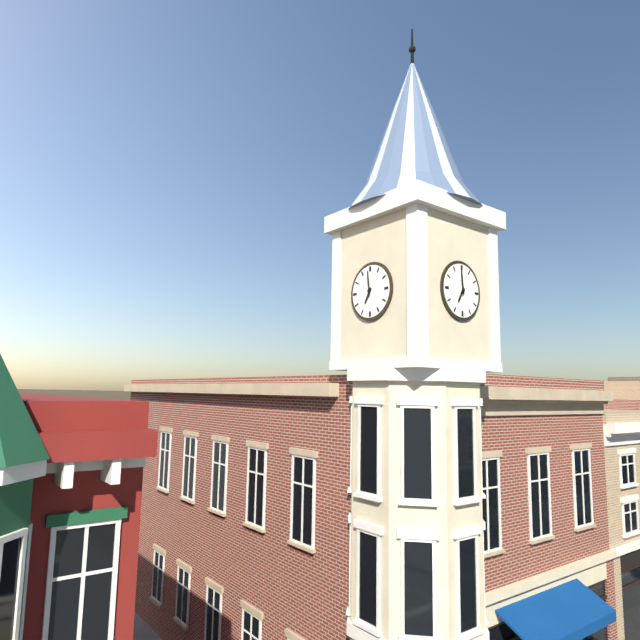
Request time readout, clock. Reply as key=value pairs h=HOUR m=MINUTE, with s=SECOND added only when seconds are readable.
h=6 m=59
